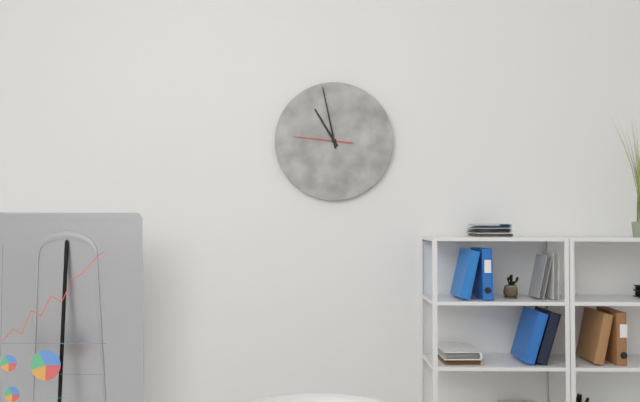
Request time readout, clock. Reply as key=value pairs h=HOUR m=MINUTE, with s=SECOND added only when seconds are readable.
h=10 m=58 s=46
